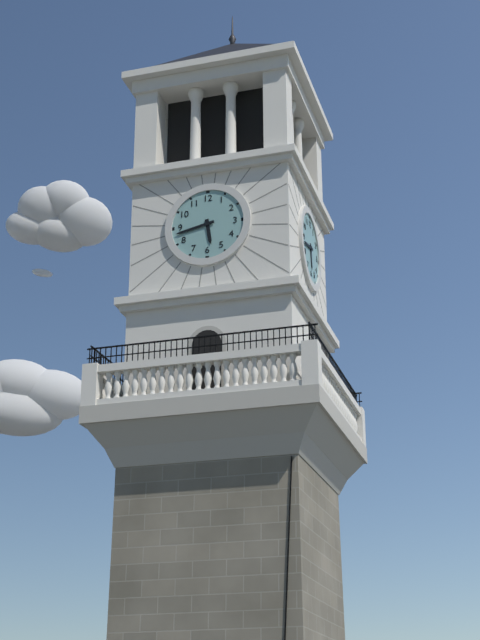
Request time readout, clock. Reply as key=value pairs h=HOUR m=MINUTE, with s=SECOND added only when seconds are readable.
h=5 m=43
